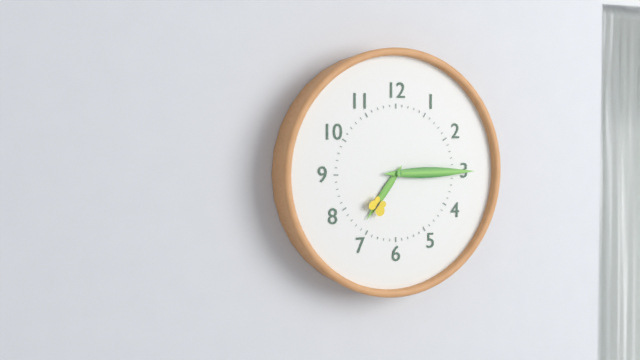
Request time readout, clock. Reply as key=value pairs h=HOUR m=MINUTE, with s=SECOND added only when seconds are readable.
h=7 m=15
